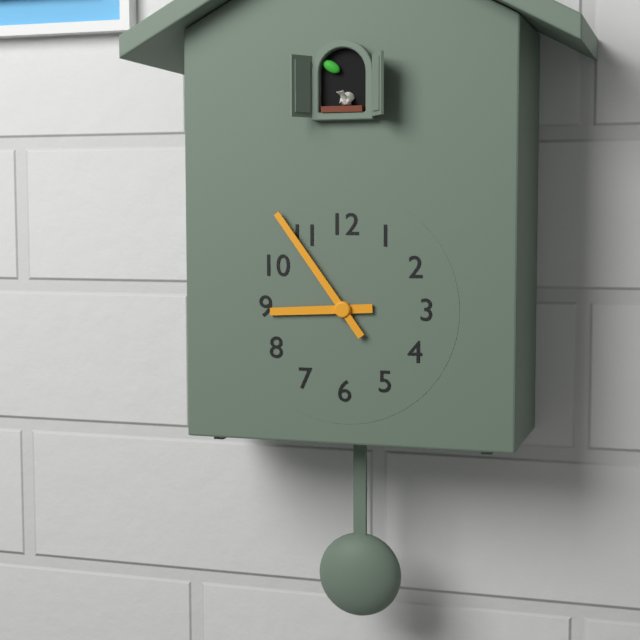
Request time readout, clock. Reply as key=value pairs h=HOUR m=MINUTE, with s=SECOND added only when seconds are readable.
h=8 m=54
